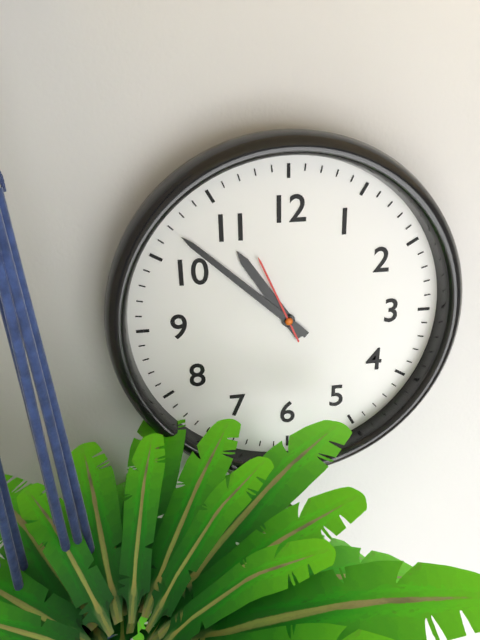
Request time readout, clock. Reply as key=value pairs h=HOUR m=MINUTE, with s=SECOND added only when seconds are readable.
h=10 m=52 s=56
